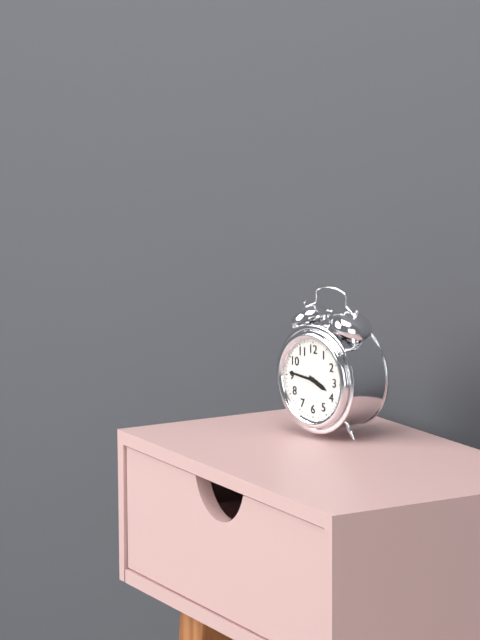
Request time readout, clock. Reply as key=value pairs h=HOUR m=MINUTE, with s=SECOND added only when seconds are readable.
h=3 m=46
